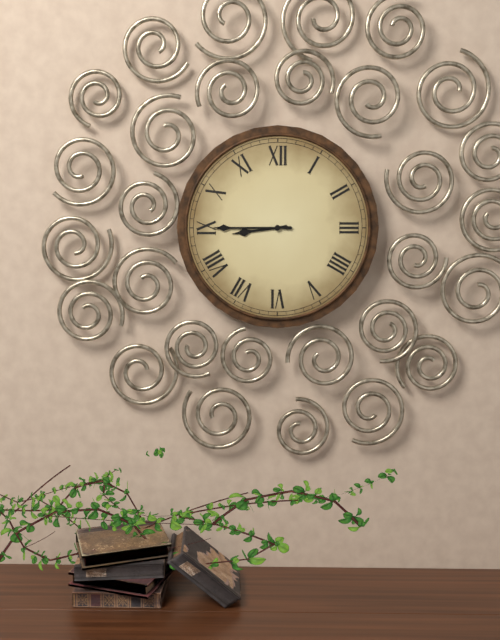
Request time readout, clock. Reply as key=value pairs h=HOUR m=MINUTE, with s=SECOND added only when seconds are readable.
h=8 m=45
